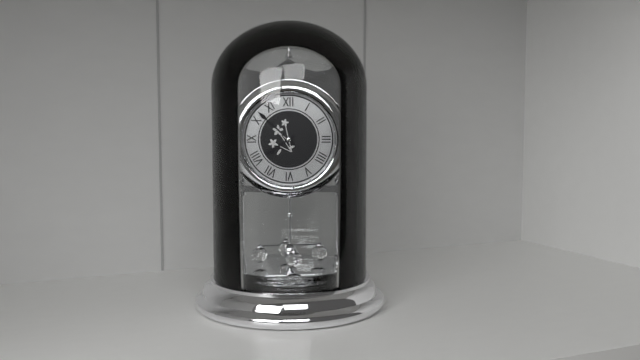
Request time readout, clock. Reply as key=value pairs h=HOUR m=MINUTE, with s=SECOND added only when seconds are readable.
h=7 m=52
